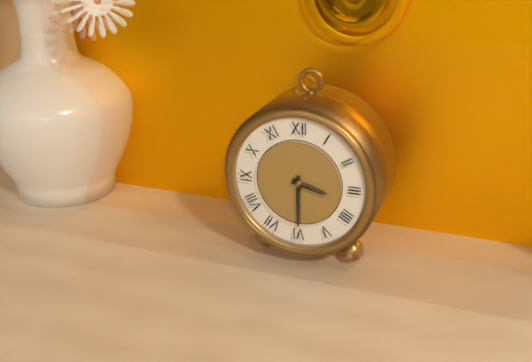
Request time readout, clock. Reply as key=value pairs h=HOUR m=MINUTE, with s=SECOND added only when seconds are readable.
h=3 m=30
